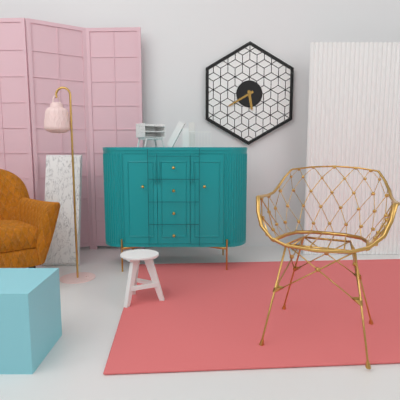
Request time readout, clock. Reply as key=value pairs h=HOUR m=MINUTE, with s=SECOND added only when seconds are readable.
h=5 m=40
